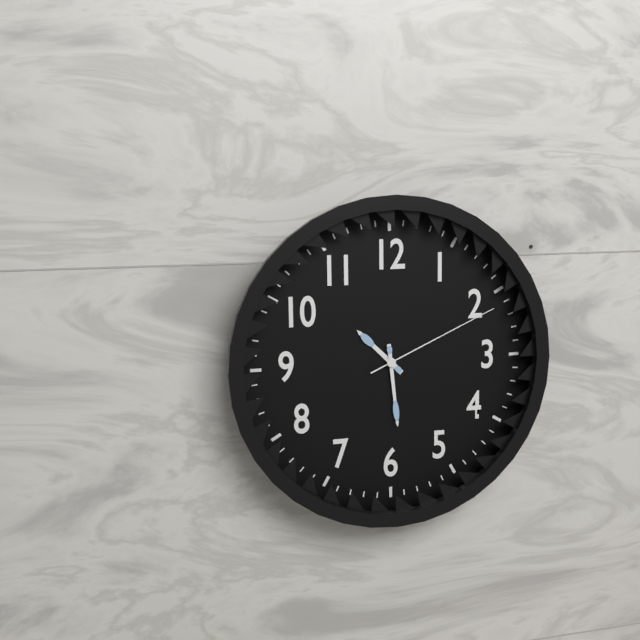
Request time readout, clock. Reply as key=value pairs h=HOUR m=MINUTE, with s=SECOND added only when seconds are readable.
h=10 m=29 s=11
